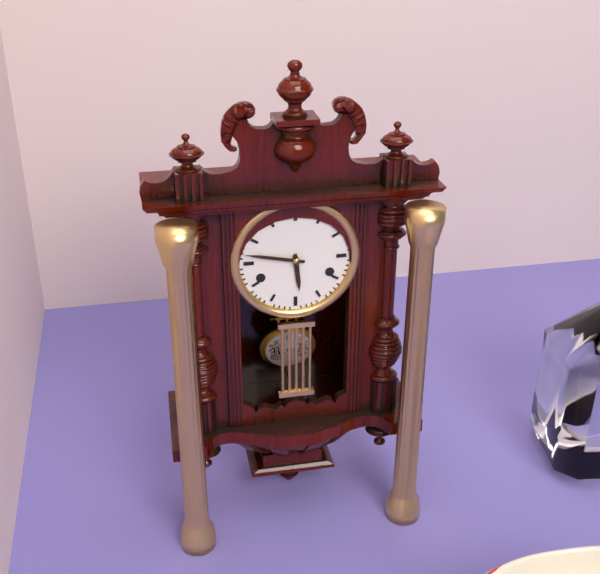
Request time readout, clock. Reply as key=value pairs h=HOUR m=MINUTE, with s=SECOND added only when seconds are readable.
h=5 m=47
